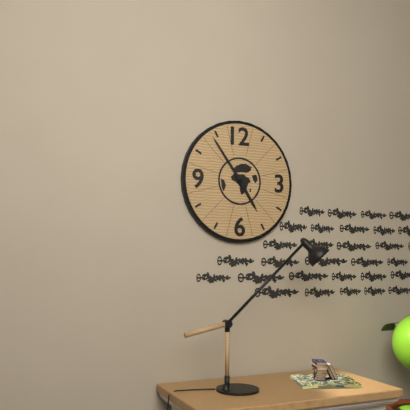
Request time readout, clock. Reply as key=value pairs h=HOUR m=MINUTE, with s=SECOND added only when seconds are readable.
h=4 m=54
